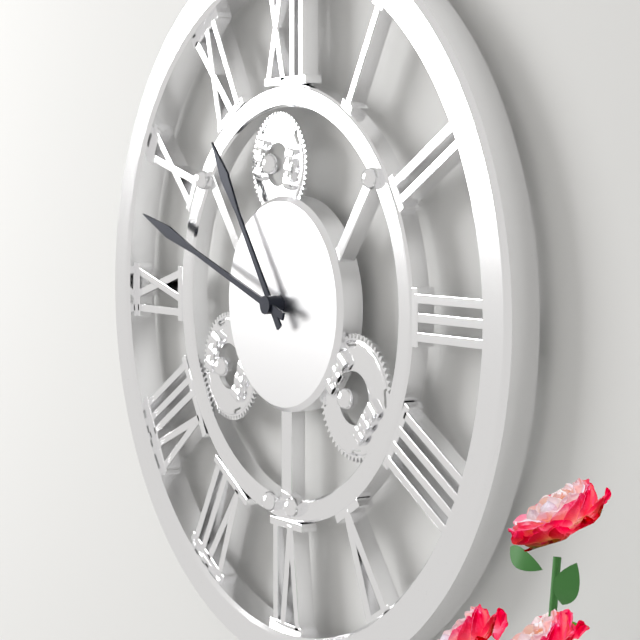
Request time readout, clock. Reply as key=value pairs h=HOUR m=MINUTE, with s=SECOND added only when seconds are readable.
h=10 m=48
